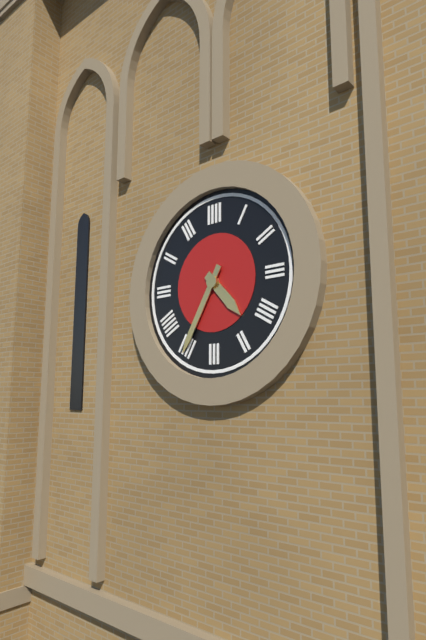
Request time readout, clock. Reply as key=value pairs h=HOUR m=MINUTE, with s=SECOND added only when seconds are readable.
h=4 m=35
